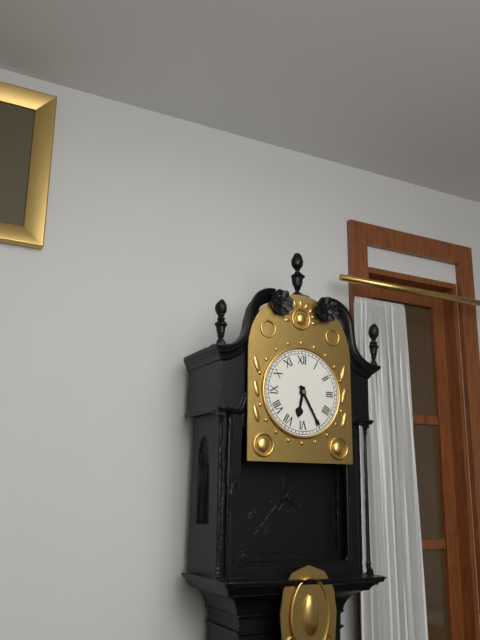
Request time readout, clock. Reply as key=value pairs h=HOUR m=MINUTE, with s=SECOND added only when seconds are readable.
h=6 m=25
